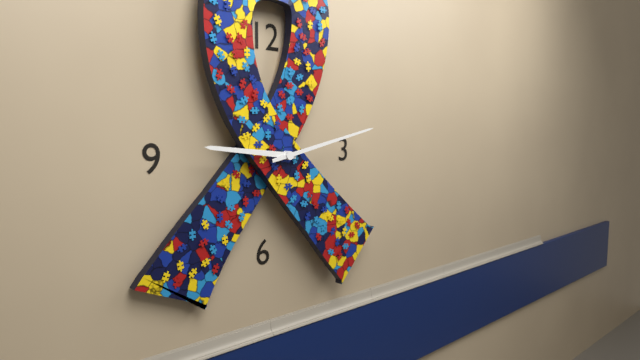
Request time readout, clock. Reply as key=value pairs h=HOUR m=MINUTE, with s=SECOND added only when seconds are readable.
h=9 m=13
